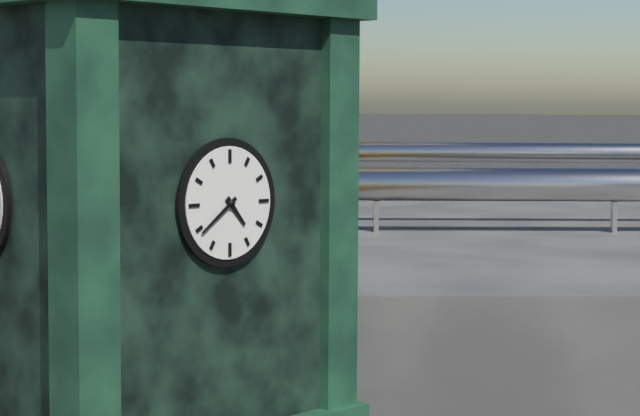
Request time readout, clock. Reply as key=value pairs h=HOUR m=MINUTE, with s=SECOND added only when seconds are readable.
h=4 m=39
